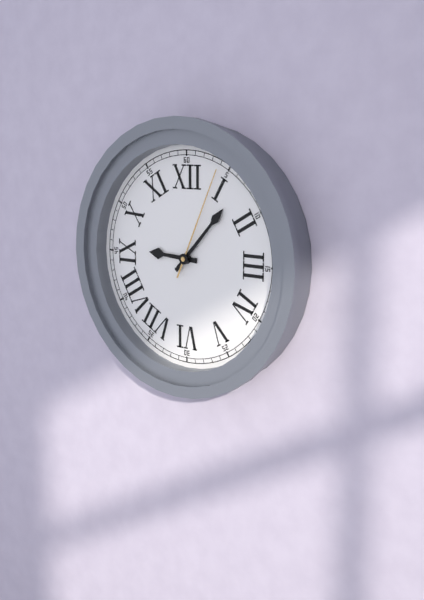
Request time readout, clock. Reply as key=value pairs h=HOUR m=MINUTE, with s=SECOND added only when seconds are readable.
h=9 m=7 s=4
